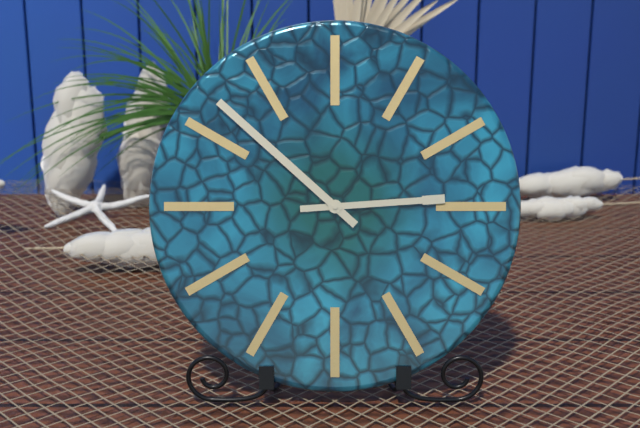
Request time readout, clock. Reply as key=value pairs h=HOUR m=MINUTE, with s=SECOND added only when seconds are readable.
h=2 m=52
